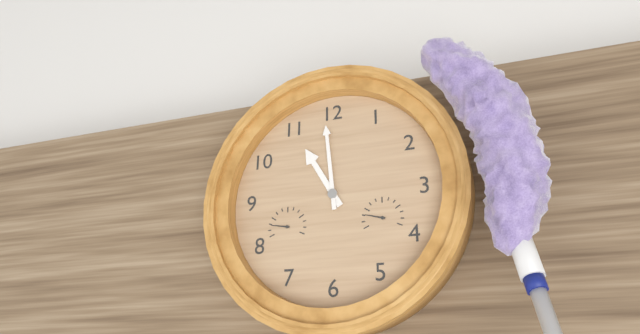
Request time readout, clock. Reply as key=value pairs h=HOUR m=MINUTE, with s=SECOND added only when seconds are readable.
h=10 m=59
